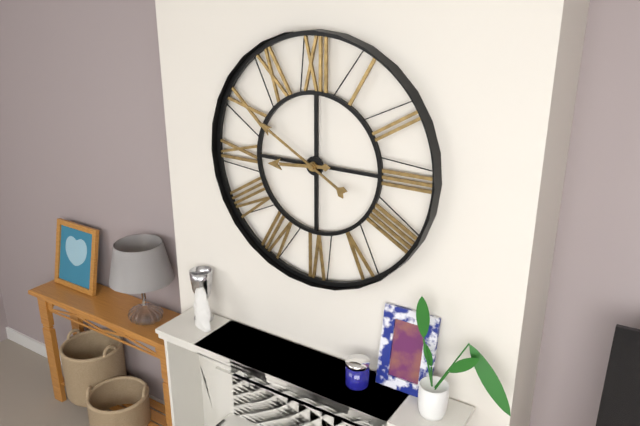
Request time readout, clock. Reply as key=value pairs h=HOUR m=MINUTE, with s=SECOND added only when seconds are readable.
h=8 m=50
